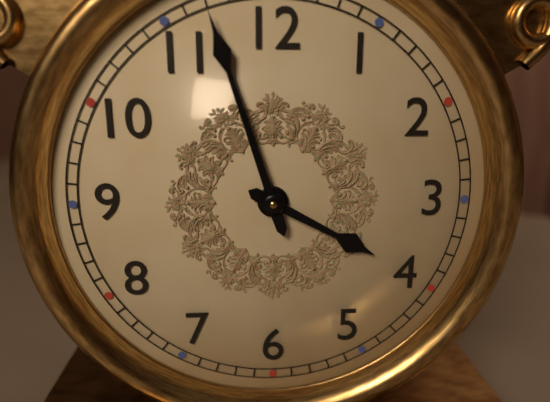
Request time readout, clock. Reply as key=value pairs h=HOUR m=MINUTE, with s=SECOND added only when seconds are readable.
h=3 m=57
